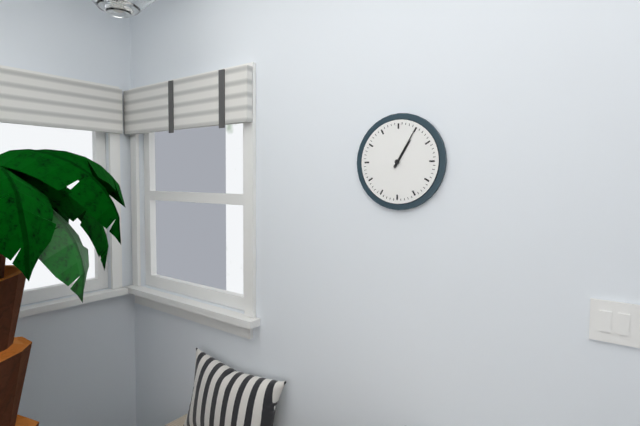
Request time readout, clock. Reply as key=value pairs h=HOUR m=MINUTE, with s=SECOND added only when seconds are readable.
h=1 m=5
